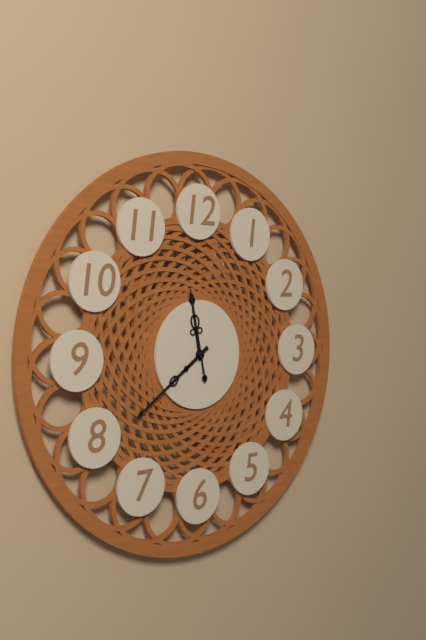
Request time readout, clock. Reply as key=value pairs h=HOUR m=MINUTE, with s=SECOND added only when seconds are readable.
h=11 m=39 s=58
